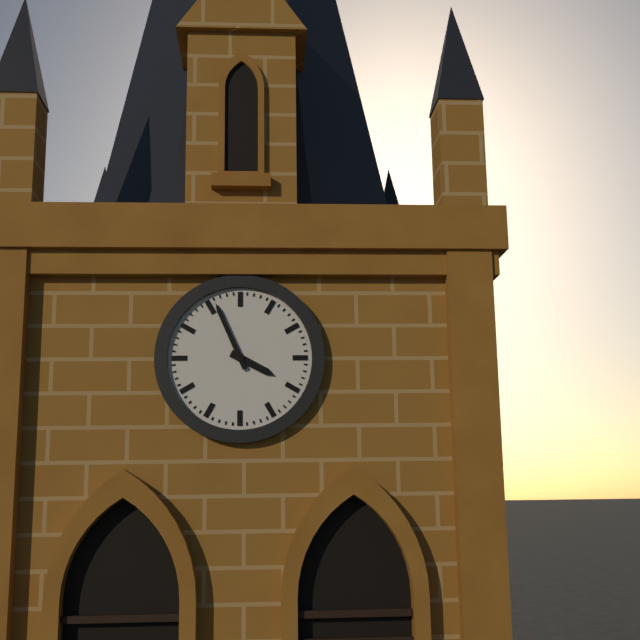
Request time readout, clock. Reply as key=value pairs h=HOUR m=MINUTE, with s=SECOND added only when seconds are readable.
h=3 m=56
